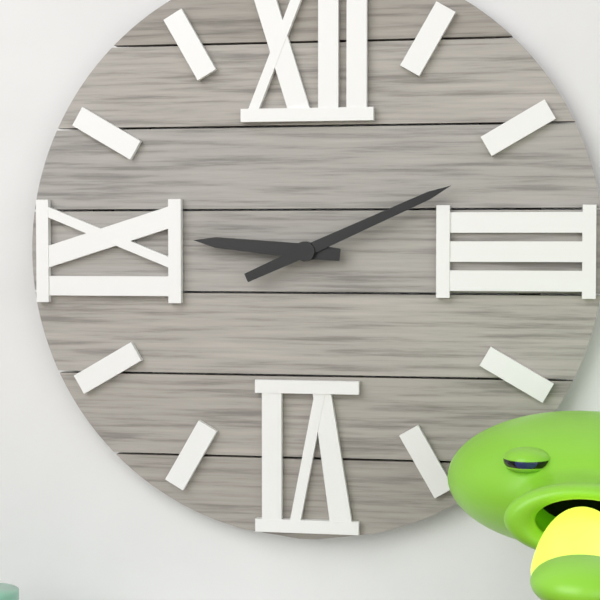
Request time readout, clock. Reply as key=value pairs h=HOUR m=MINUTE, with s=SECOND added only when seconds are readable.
h=9 m=11
